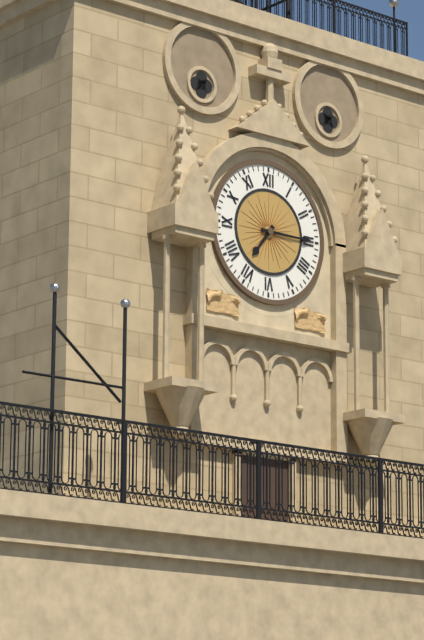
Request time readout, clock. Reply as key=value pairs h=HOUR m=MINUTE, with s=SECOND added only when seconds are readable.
h=7 m=15
